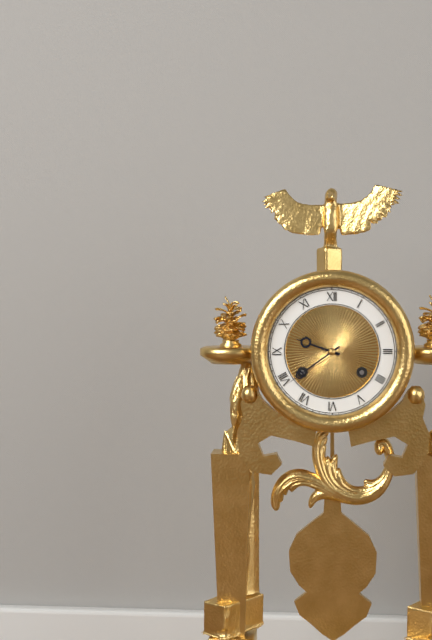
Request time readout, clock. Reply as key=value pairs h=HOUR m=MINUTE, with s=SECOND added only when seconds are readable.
h=9 m=39
